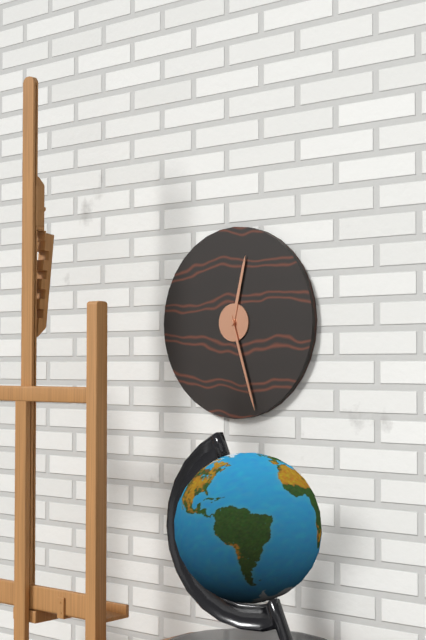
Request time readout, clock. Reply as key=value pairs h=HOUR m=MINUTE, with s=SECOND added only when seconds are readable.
h=12 m=27
